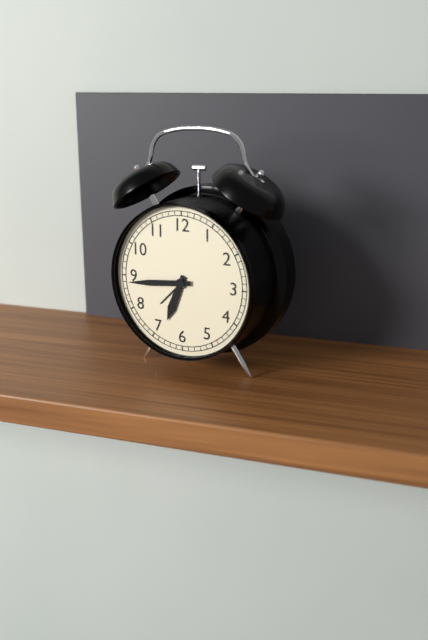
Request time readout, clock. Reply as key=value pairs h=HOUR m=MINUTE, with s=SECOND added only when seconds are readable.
h=6 m=44
